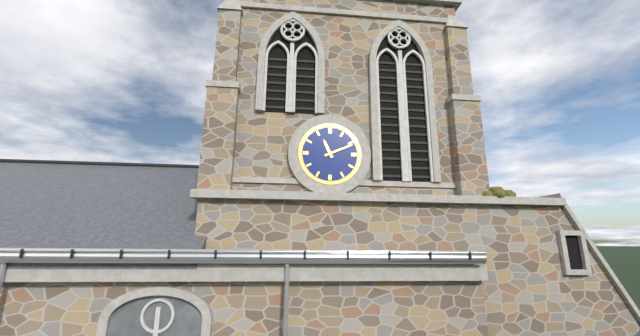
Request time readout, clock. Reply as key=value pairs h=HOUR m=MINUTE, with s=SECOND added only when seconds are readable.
h=11 m=11
